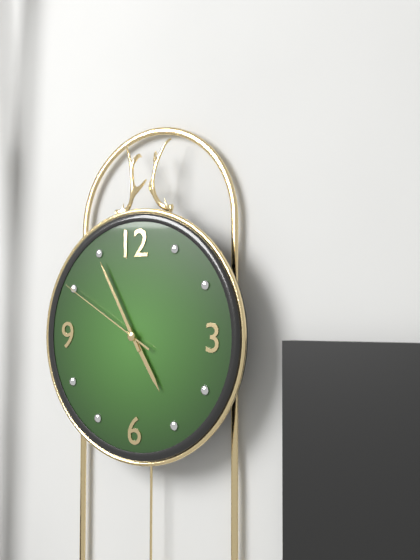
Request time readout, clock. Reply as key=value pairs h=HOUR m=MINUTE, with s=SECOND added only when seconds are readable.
h=4 m=55 s=50
